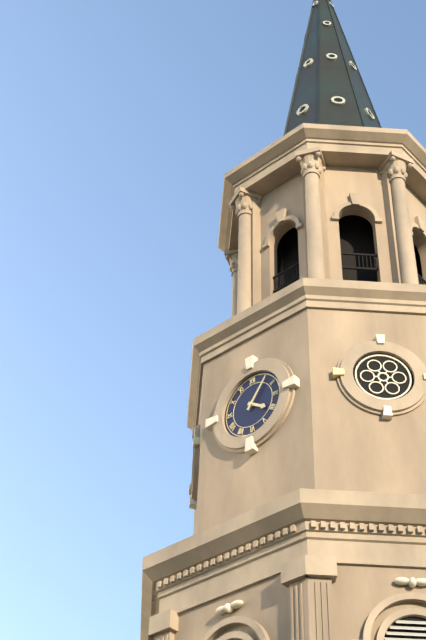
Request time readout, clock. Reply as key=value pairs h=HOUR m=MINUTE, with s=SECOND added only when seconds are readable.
h=4 m=6
